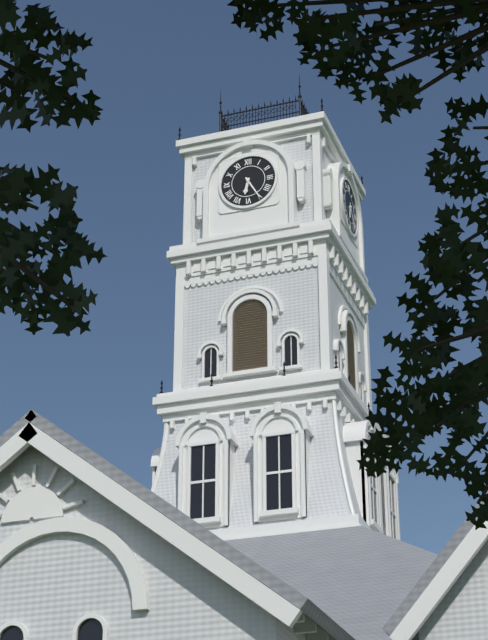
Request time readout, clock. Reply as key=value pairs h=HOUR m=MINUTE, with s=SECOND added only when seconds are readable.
h=6 m=25
